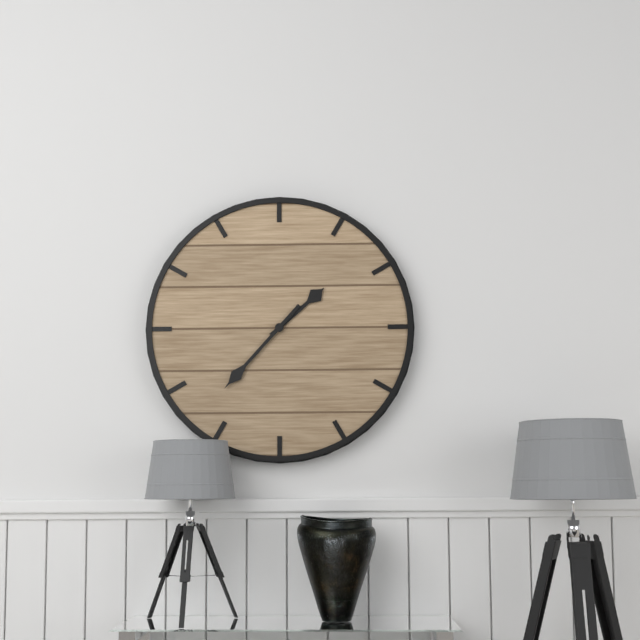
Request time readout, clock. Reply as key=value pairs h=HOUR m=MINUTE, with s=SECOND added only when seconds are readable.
h=1 m=37
